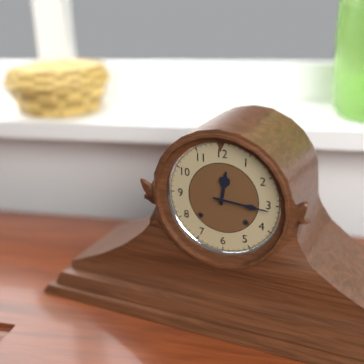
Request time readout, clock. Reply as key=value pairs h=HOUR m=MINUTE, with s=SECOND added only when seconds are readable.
h=12 m=16
